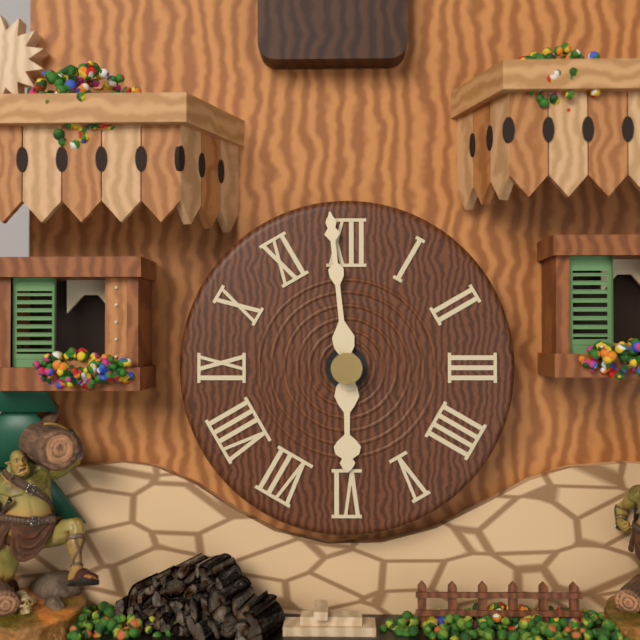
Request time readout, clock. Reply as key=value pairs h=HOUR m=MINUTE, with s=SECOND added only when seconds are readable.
h=5 m=59
